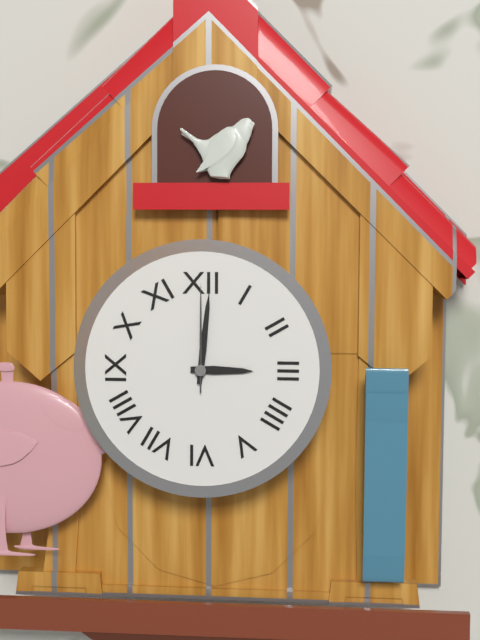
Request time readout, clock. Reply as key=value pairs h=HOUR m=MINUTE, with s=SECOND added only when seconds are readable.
h=3 m=1 s=0
